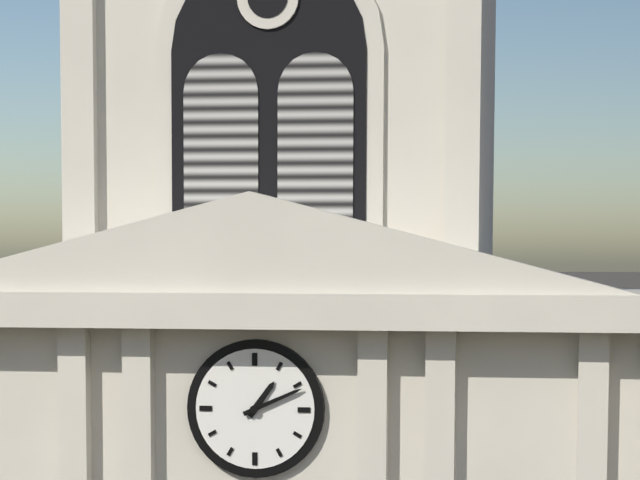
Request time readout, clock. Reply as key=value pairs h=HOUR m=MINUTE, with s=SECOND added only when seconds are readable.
h=1 m=11
